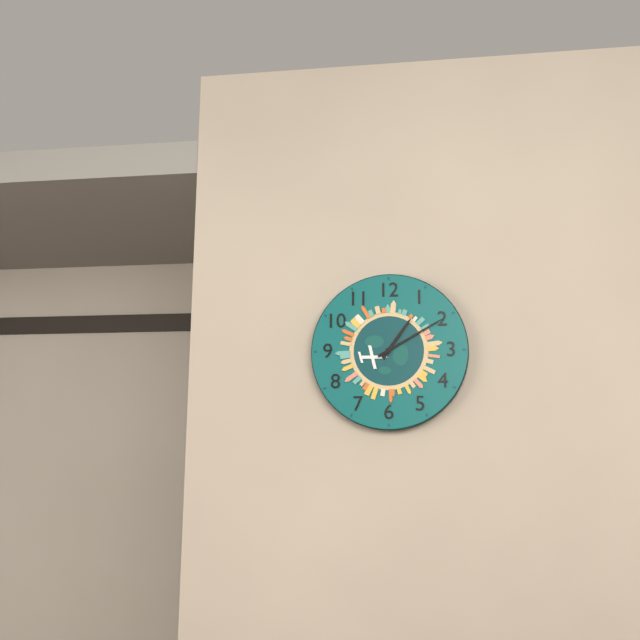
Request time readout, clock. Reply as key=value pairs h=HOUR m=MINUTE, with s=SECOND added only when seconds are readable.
h=1 m=10
